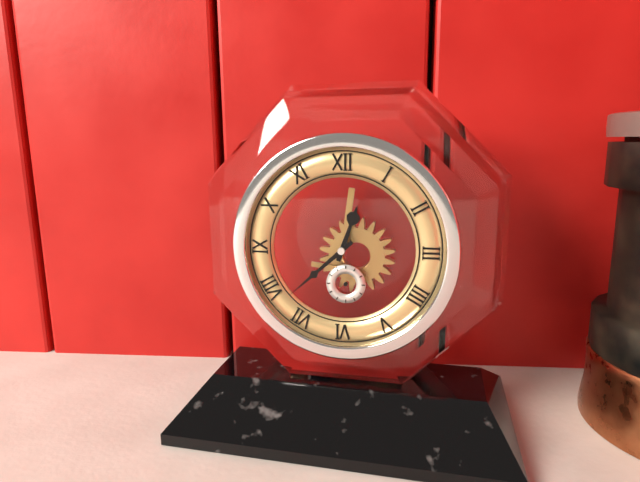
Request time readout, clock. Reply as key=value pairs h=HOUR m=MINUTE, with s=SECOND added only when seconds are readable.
h=12 m=38
